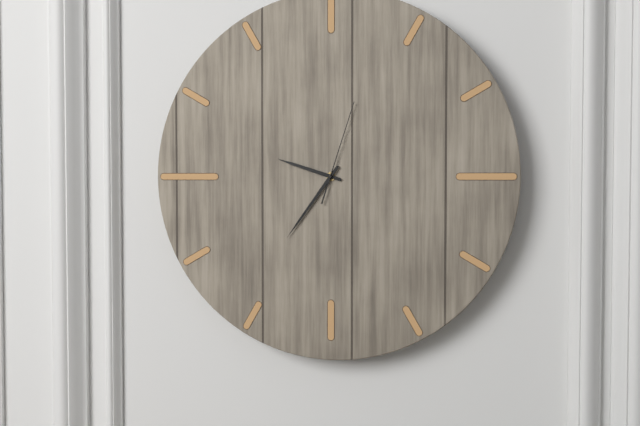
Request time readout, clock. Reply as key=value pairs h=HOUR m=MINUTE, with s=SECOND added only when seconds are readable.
h=9 m=36 s=3
